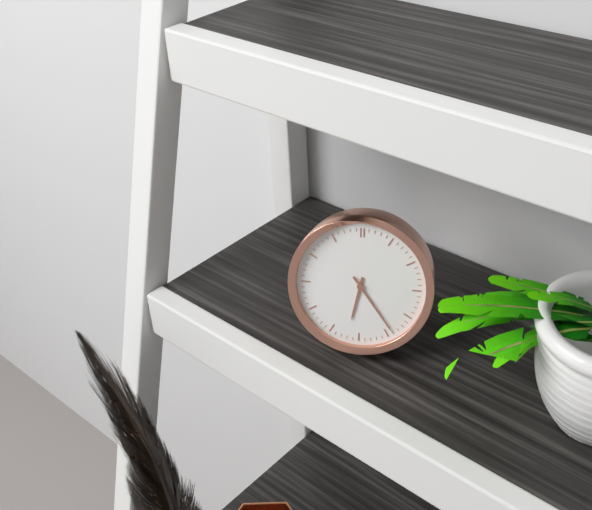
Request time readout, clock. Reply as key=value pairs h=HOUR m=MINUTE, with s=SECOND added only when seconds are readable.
h=6 m=24
